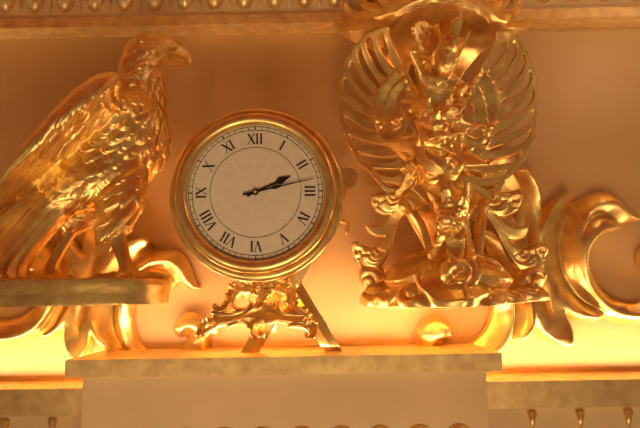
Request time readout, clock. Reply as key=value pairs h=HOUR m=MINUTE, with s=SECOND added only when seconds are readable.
h=2 m=13
